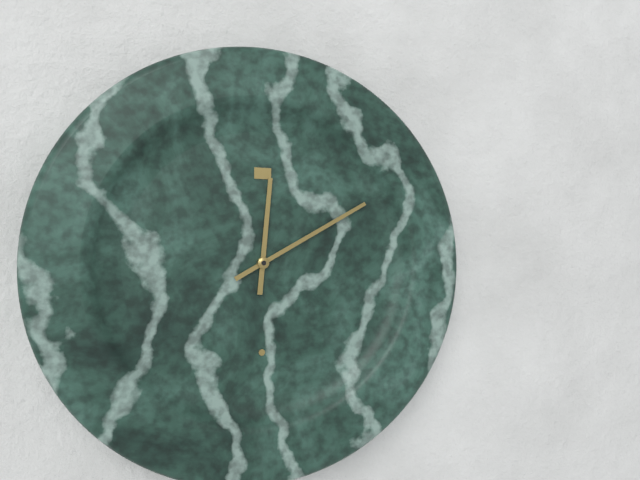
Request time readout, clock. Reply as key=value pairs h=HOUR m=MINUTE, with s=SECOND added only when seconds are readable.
h=12 m=10
